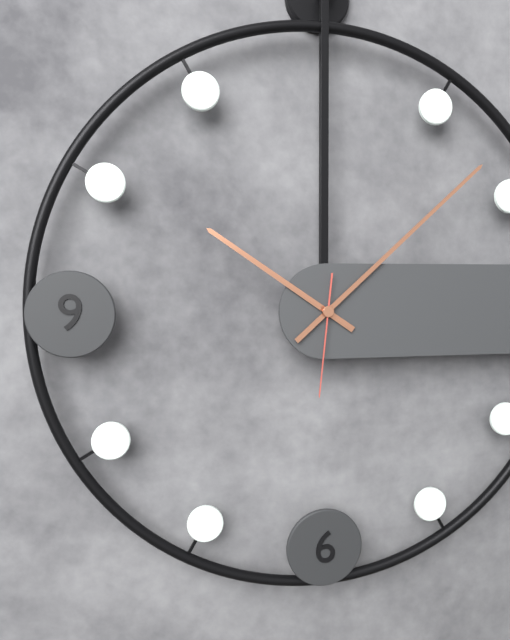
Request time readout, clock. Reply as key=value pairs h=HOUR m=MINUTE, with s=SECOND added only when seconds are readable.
h=10 m=8 s=31
